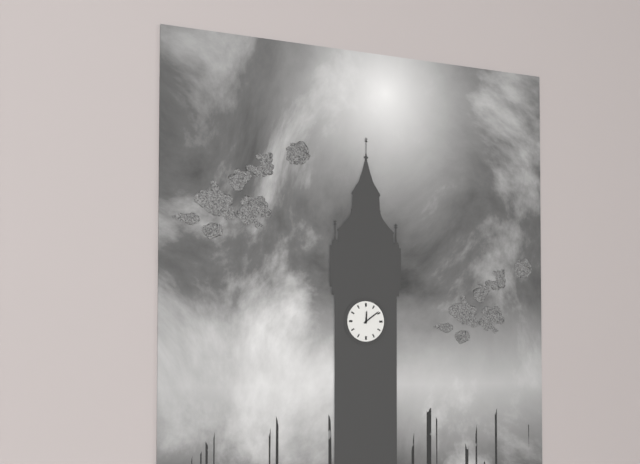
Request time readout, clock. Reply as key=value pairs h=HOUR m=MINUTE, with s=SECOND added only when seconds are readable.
h=12 m=9
